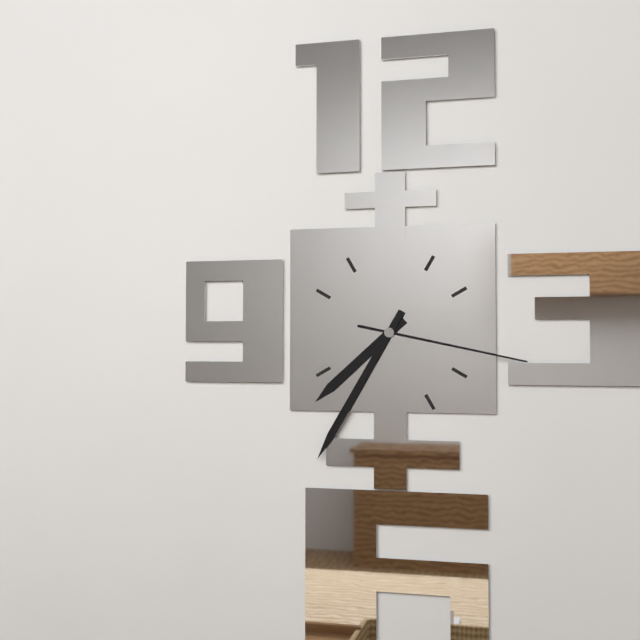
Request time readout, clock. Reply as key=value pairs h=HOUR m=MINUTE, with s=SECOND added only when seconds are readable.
h=7 m=35 s=17
